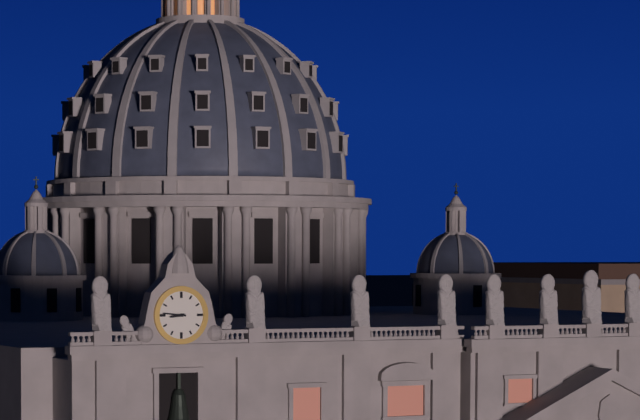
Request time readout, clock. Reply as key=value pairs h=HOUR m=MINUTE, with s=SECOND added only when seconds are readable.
h=8 m=46
